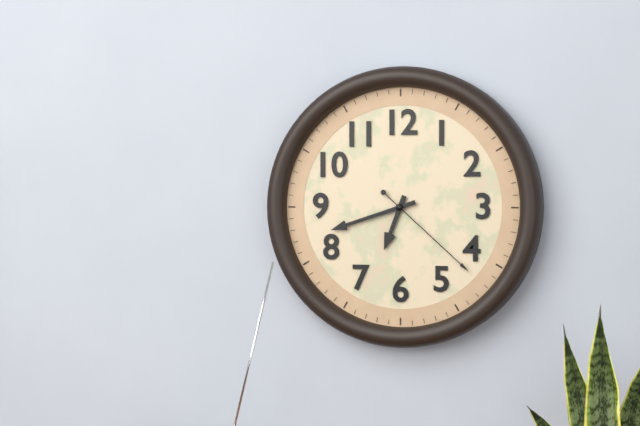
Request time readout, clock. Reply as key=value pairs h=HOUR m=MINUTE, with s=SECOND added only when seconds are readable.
h=6 m=42 s=22
